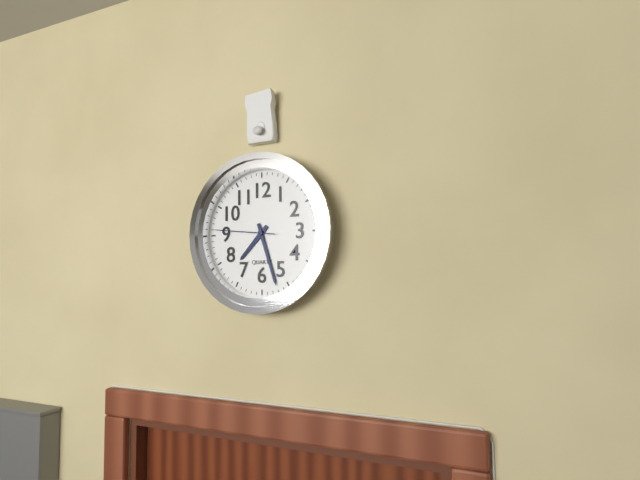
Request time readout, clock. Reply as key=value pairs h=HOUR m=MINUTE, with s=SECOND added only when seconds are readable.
h=7 m=27 s=46
